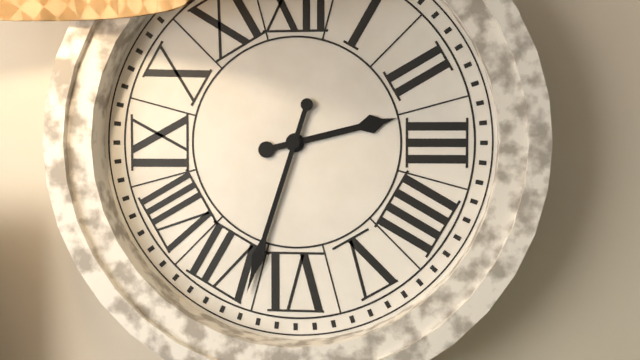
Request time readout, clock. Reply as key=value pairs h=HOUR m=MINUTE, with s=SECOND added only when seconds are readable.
h=2 m=33
